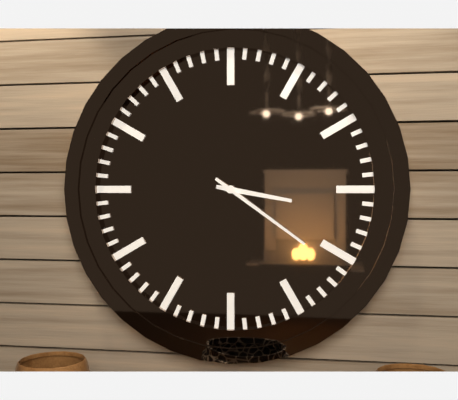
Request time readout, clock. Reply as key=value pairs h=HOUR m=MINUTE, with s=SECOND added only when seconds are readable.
h=3 m=21
